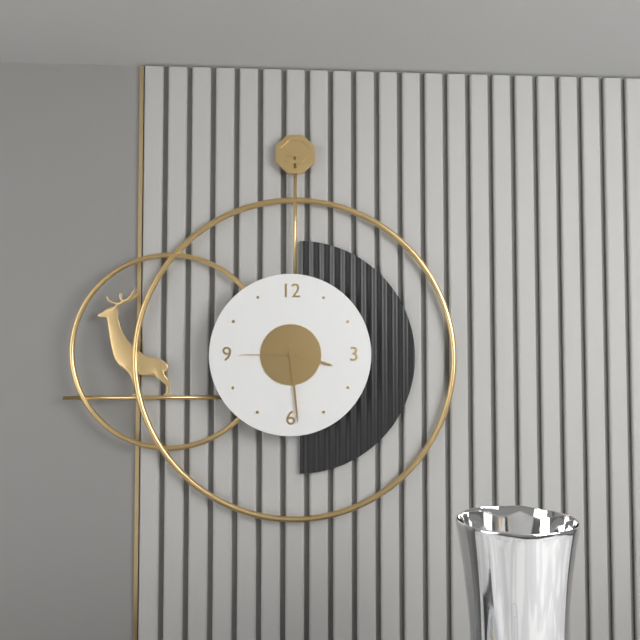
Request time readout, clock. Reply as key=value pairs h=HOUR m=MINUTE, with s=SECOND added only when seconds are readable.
h=3 m=29 s=45
